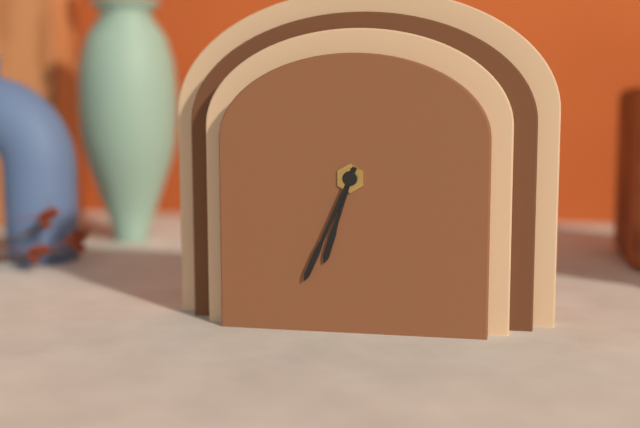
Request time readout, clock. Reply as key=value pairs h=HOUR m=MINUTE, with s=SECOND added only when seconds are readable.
h=6 m=34
